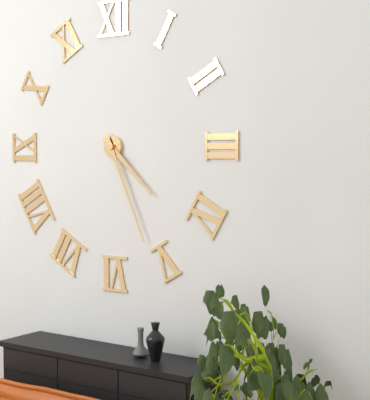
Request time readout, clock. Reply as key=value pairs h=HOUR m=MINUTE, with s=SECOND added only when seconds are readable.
h=4 m=26
